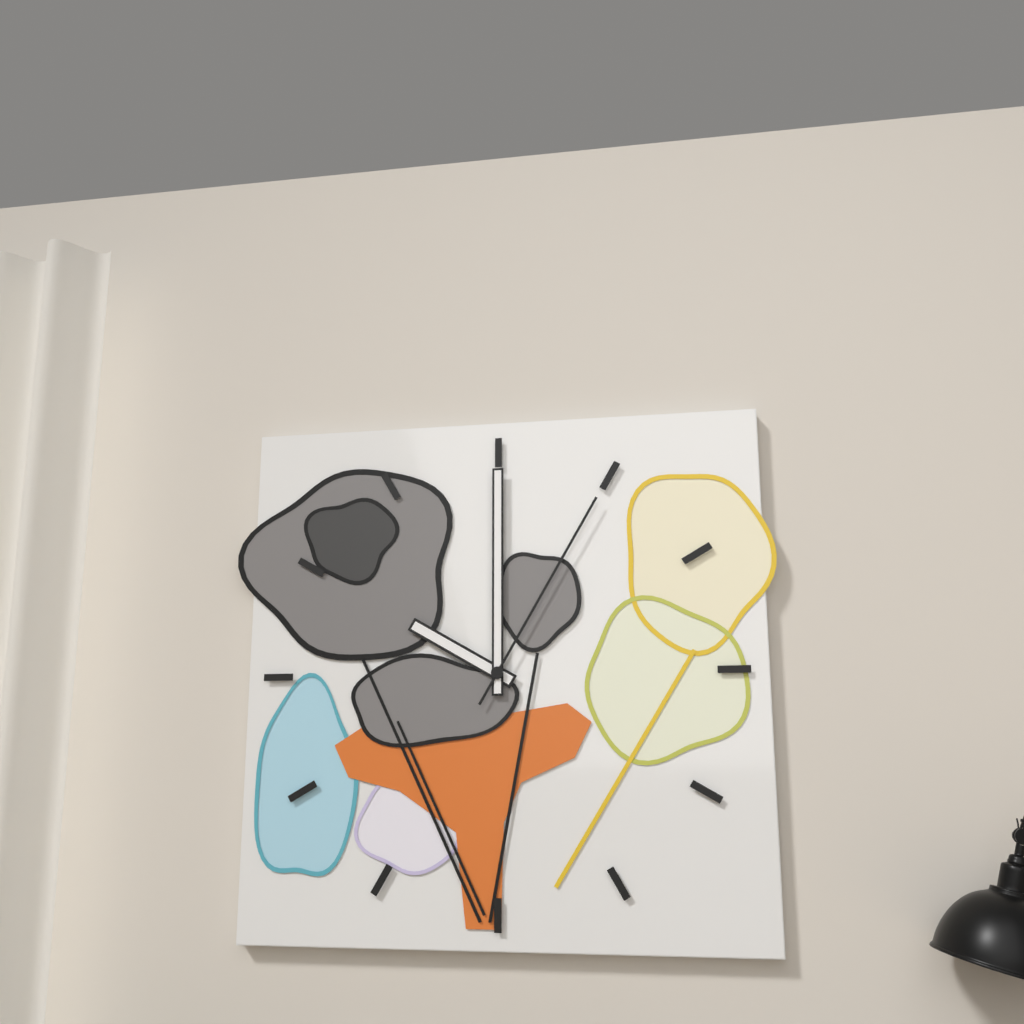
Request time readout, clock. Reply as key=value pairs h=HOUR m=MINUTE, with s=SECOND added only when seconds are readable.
h=10 m=0 s=5
